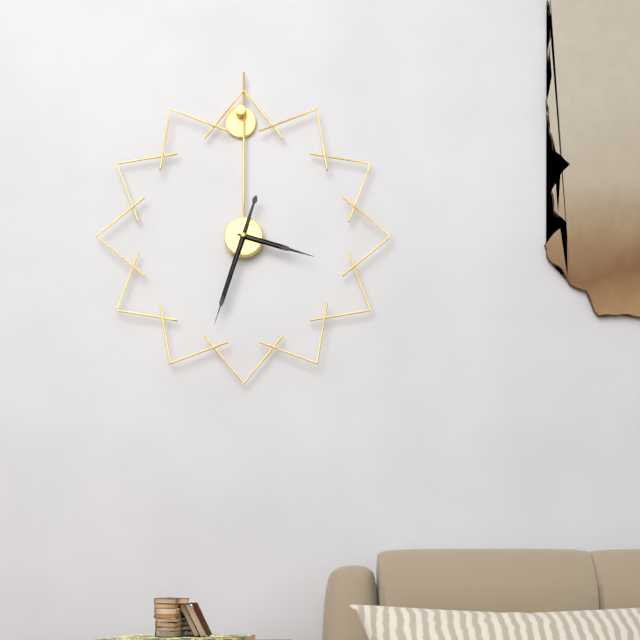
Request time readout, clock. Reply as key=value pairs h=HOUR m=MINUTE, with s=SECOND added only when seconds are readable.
h=3 m=33
